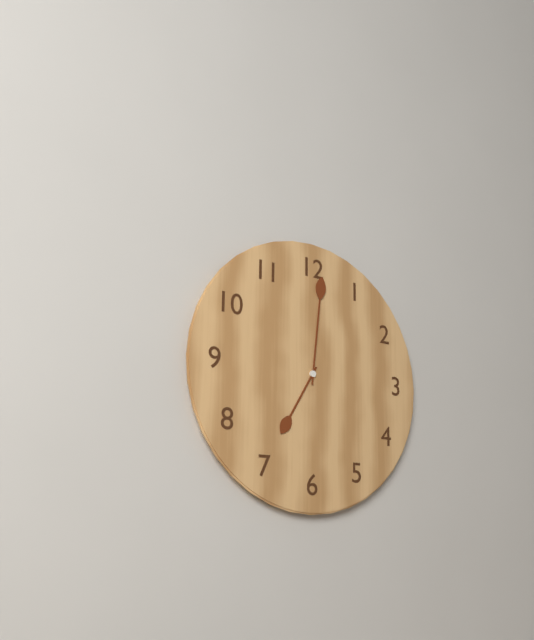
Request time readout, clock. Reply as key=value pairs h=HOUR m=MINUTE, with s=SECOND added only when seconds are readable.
h=7 m=1
